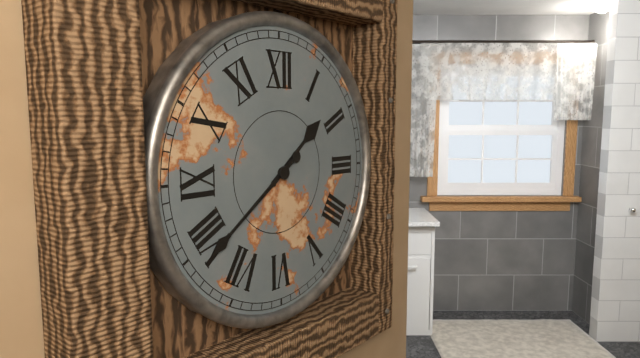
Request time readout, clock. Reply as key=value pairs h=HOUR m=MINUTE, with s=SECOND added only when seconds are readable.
h=1 m=39
